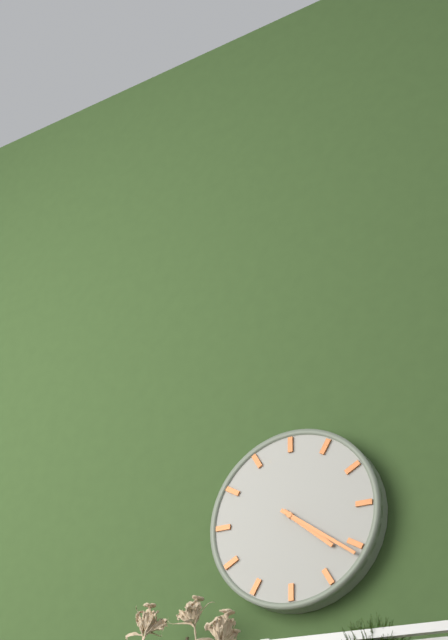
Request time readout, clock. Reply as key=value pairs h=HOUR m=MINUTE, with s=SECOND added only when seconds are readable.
h=4 m=21
